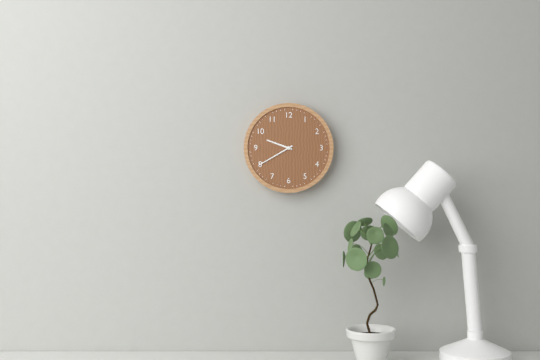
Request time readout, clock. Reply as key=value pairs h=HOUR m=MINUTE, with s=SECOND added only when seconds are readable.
h=9 m=40
